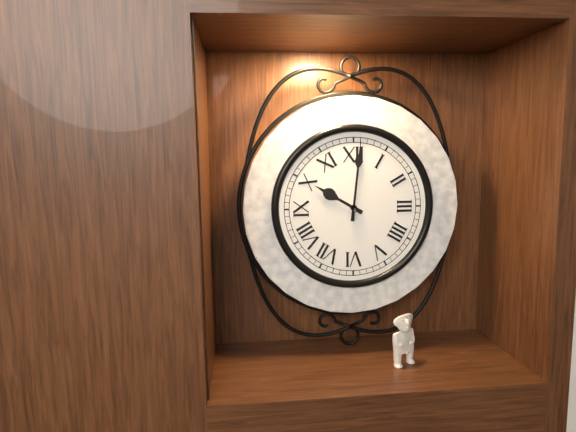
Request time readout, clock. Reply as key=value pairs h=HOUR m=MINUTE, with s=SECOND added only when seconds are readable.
h=10 m=1
